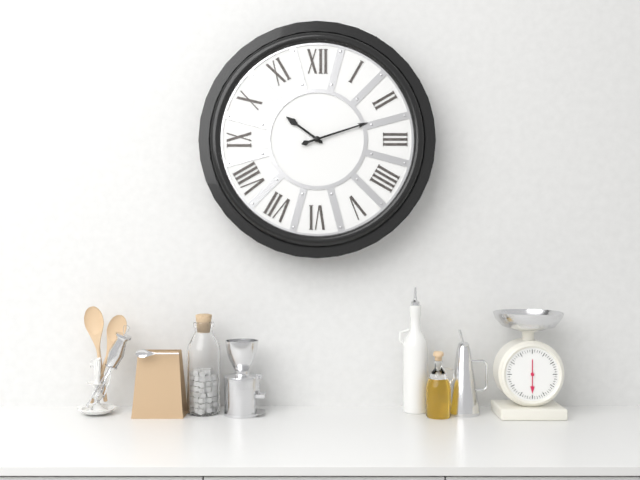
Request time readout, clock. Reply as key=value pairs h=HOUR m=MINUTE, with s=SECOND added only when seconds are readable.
h=10 m=12
